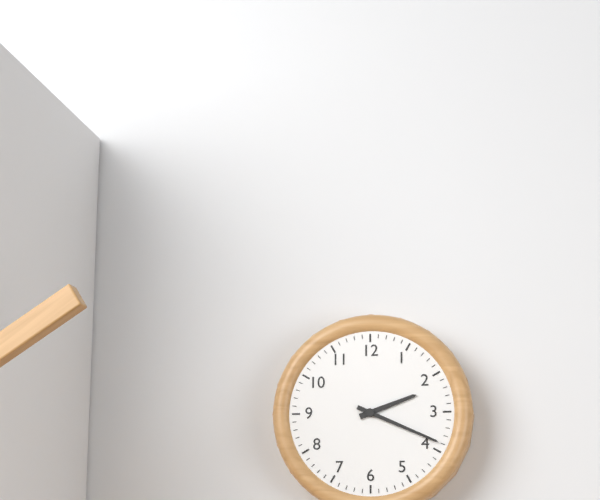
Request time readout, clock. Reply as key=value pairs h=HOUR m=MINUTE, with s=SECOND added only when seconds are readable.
h=2 m=19
